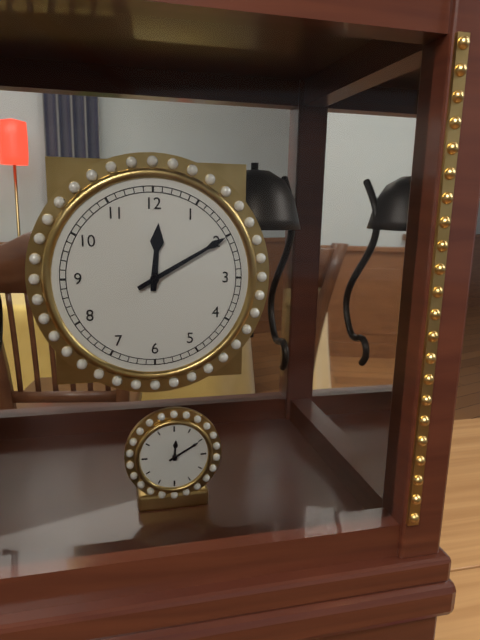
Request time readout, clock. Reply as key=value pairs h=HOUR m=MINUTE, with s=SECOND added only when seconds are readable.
h=12 m=10
